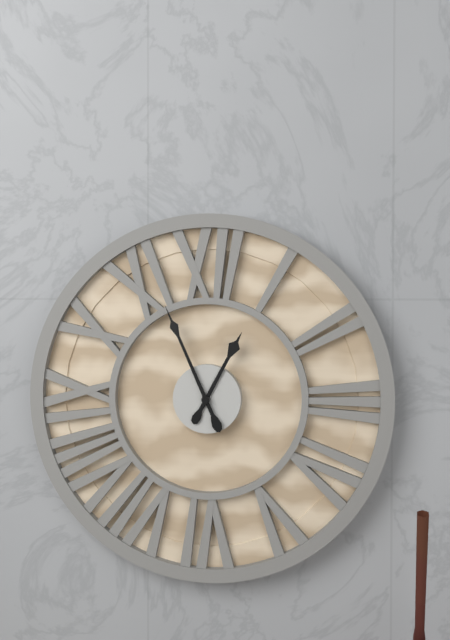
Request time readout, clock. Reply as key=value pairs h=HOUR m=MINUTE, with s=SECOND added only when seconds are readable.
h=12 m=56
